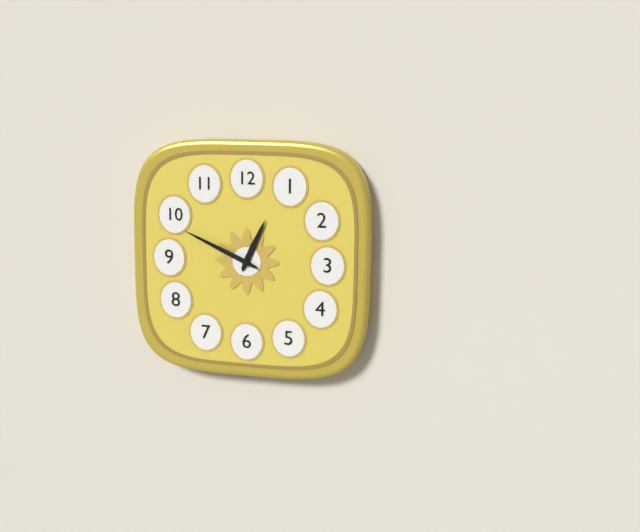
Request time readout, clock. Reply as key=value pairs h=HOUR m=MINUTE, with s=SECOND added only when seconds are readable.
h=12 m=49
